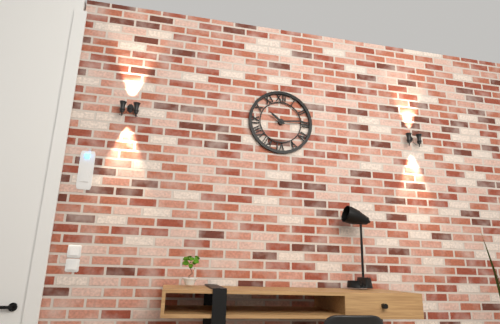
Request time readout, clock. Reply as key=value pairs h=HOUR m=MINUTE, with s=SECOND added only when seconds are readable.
h=10 m=14
